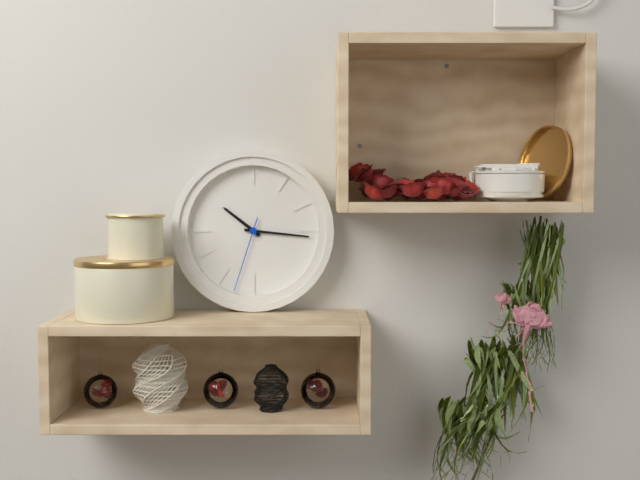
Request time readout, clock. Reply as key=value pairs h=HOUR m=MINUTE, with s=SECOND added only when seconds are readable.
h=10 m=16 s=33
